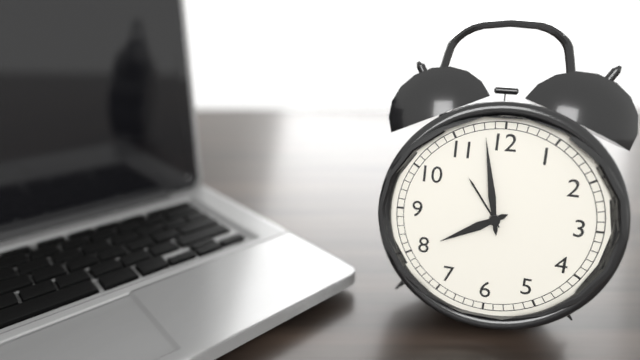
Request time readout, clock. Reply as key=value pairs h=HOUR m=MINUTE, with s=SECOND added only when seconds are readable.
h=7 m=58
